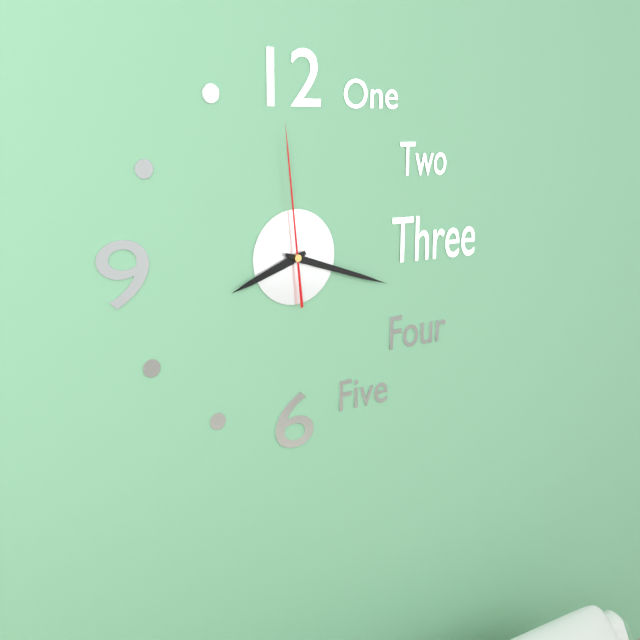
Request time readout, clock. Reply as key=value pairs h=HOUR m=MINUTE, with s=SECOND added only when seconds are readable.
h=8 m=18 s=59
